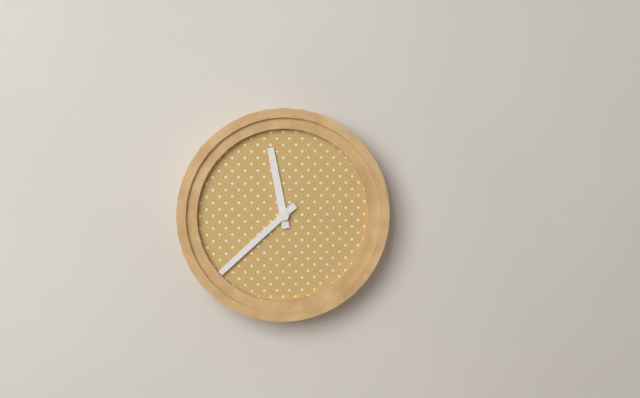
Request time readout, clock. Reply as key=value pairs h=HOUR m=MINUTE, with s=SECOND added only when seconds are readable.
h=11 m=38
